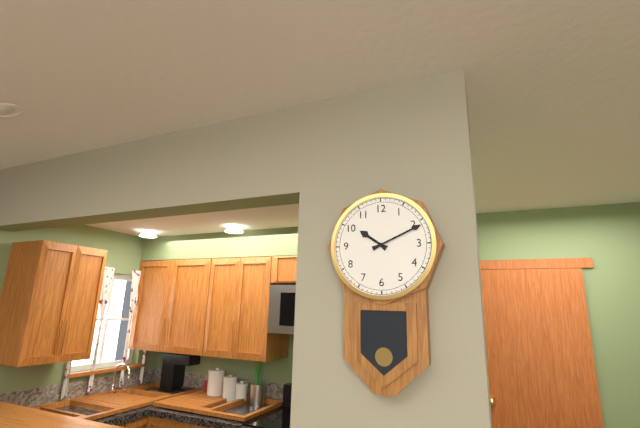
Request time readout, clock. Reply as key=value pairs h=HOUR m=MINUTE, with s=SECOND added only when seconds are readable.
h=10 m=11
